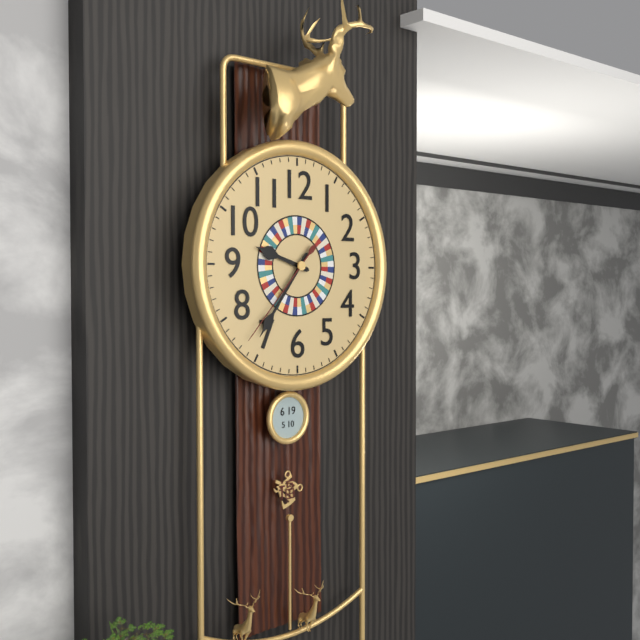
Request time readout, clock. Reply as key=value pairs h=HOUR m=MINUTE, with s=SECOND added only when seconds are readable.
h=9 m=36 s=37
